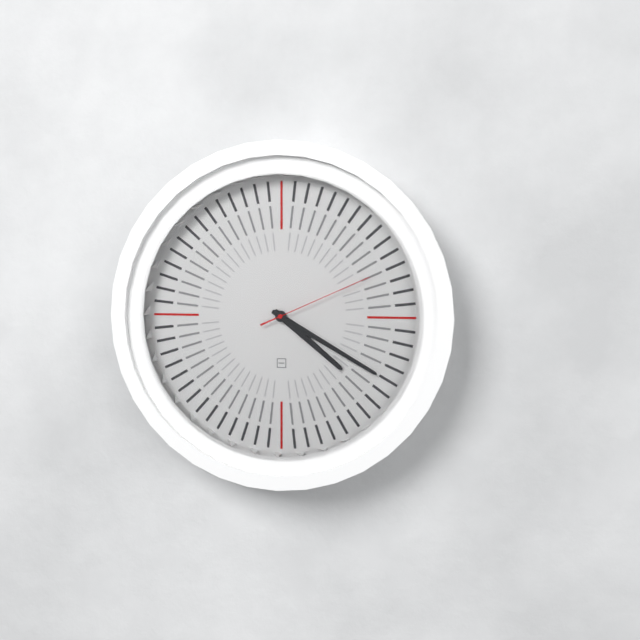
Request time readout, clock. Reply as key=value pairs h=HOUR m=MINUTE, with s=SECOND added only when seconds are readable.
h=4 m=20 s=11
